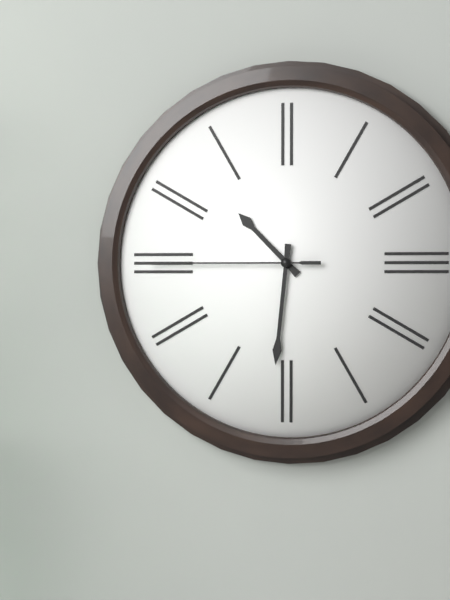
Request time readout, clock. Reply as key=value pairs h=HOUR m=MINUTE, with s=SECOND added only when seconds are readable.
h=10 m=31 s=45
